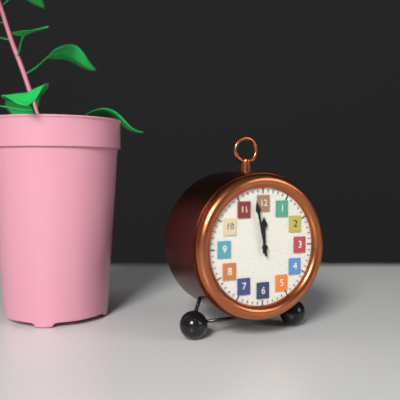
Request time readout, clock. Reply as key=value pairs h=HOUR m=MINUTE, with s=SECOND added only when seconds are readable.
h=11 m=58
